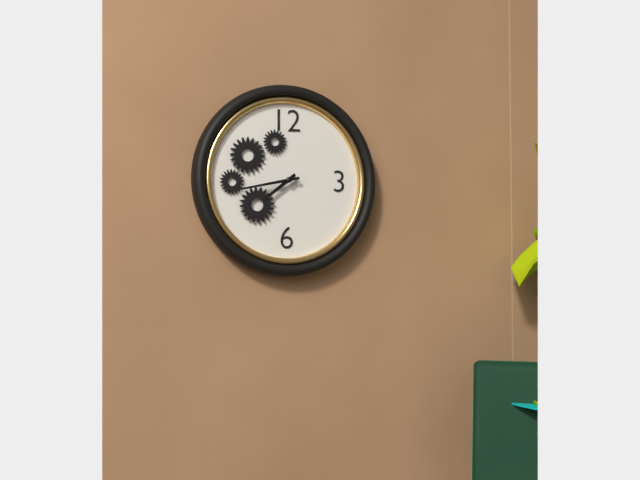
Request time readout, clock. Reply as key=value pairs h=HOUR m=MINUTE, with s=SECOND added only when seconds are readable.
h=7 m=43
